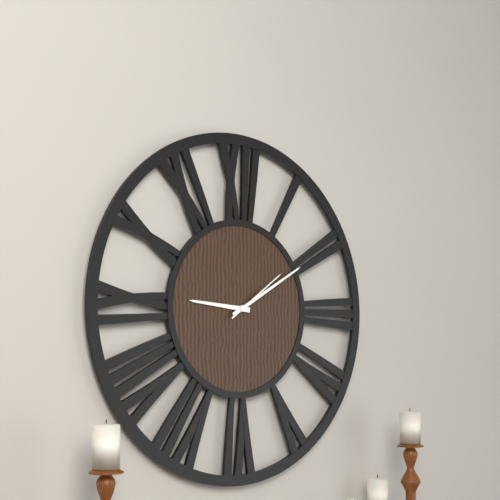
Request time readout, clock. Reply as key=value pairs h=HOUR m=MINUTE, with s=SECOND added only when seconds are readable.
h=9 m=10 s=9
